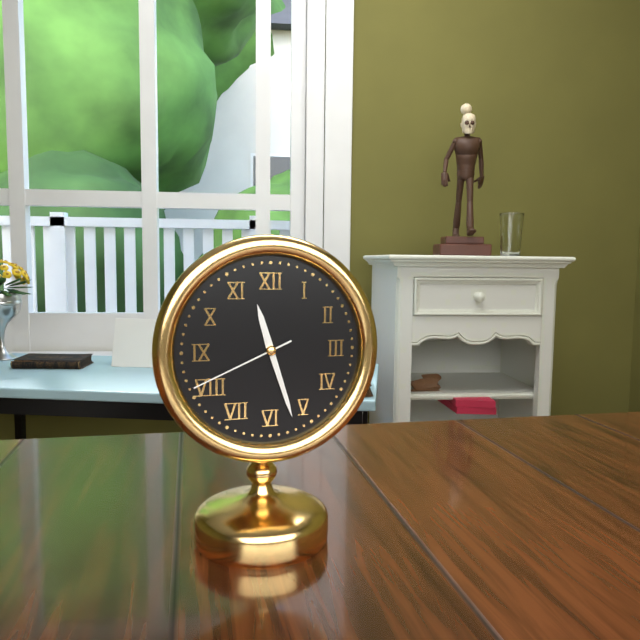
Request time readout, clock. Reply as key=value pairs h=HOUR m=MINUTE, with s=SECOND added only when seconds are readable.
h=11 m=27 s=41
